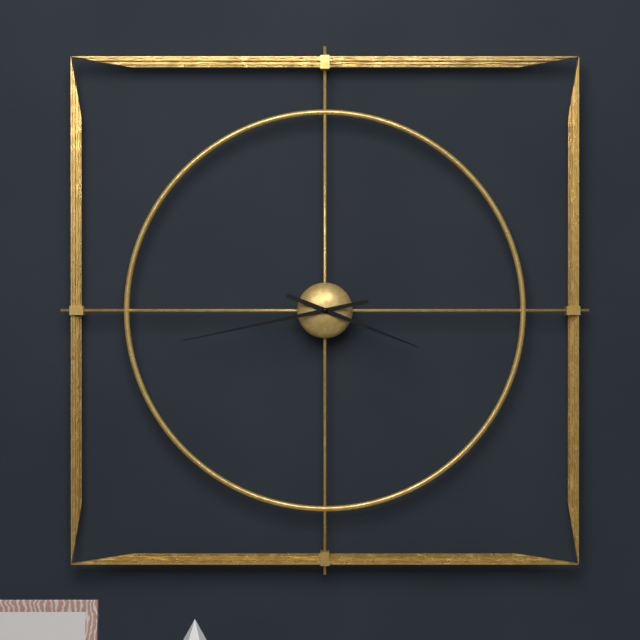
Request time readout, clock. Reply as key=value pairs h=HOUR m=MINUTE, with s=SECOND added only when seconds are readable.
h=3 m=43
